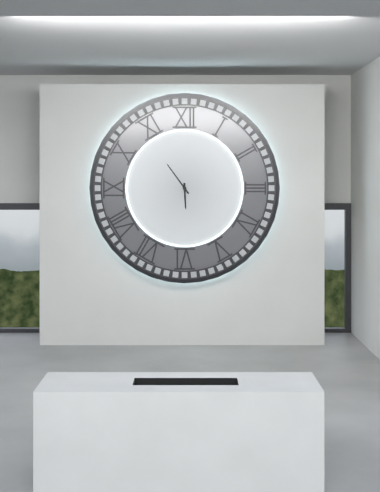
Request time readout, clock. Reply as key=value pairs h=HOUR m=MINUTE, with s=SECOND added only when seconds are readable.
h=5 m=54
